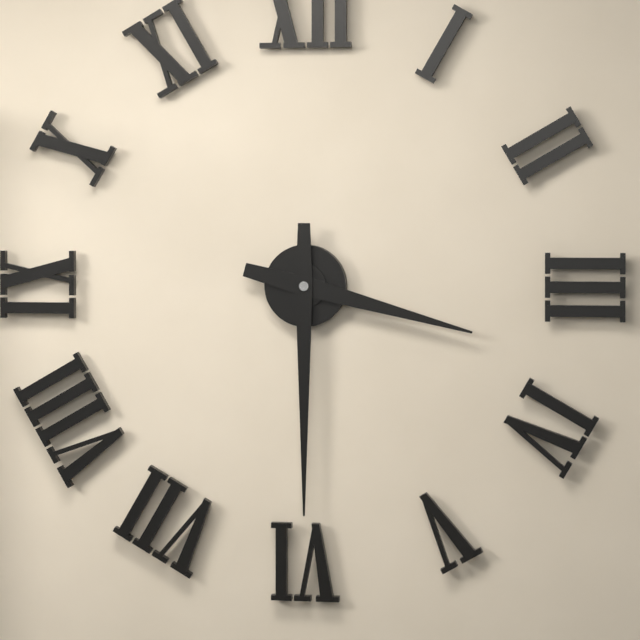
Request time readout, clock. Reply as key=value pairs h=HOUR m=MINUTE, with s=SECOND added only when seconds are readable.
h=3 m=30
